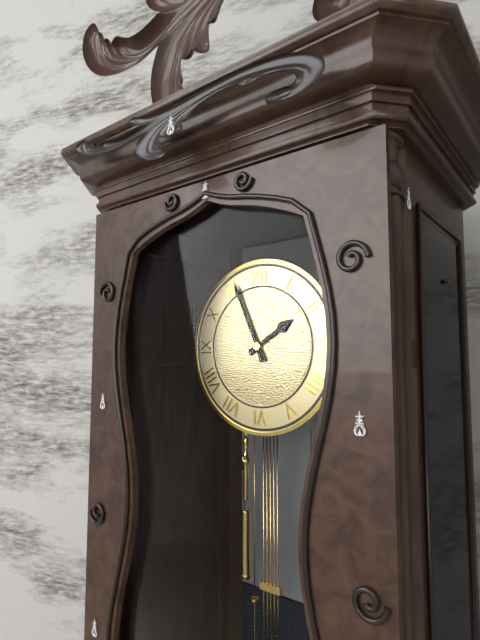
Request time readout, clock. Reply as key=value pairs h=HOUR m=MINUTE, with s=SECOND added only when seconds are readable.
h=1 m=56
